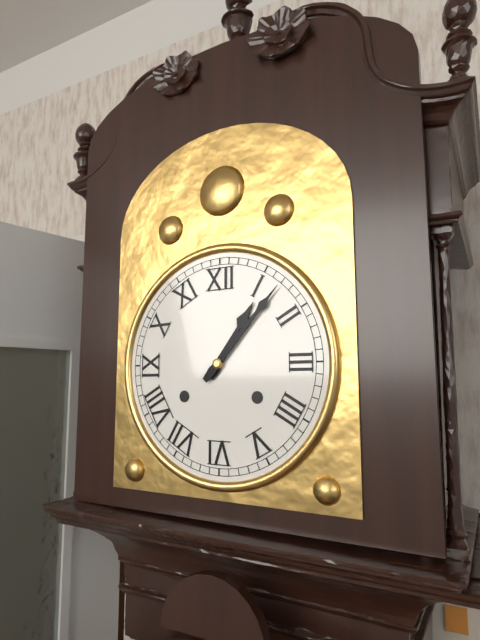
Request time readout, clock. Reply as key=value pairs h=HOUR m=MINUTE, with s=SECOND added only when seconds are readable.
h=1 m=7
